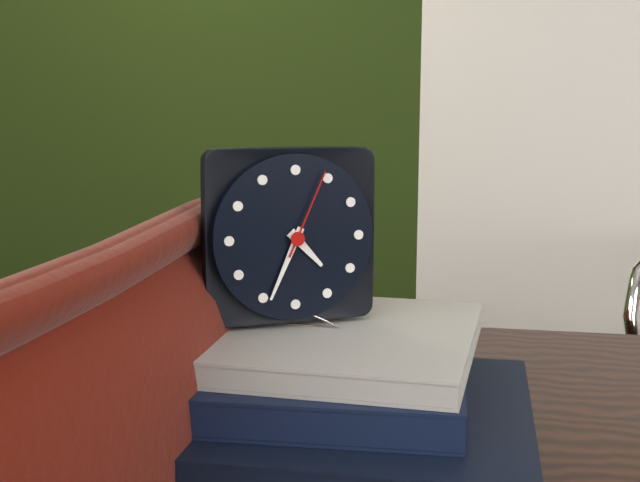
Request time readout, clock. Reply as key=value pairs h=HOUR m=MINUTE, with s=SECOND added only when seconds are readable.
h=4 m=34 s=4
